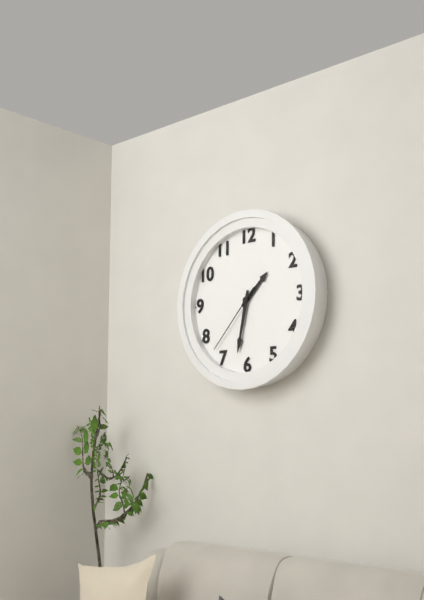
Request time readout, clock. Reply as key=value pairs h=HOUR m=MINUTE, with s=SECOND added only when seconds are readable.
h=1 m=32 s=37
